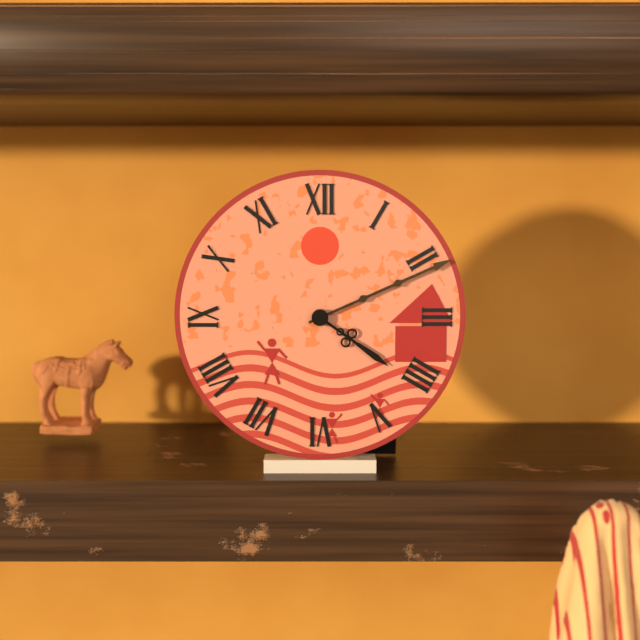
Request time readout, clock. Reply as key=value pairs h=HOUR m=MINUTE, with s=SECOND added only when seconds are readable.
h=4 m=11
